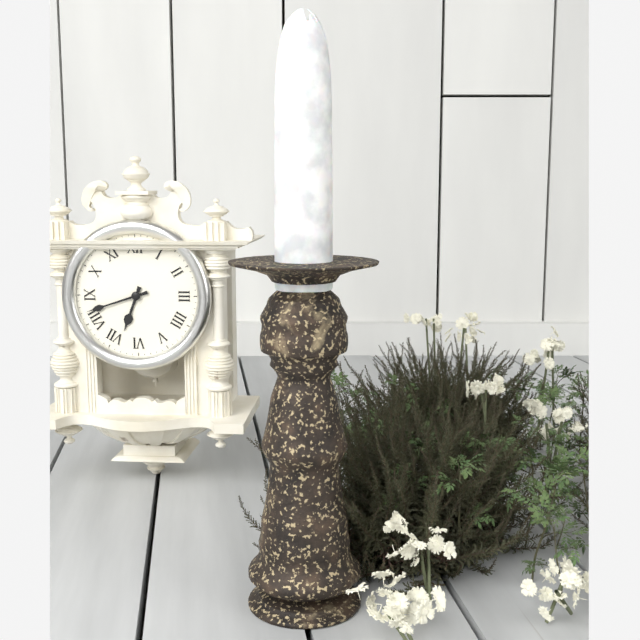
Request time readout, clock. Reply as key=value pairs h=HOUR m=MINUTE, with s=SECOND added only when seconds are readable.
h=6 m=42
